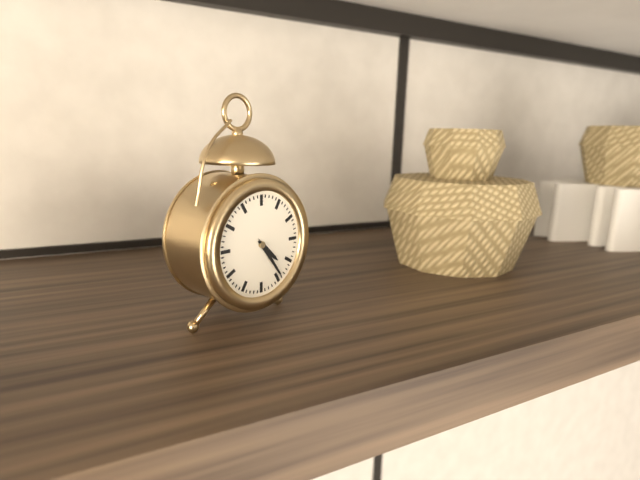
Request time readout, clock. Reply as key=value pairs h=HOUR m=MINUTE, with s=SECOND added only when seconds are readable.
h=4 m=24
